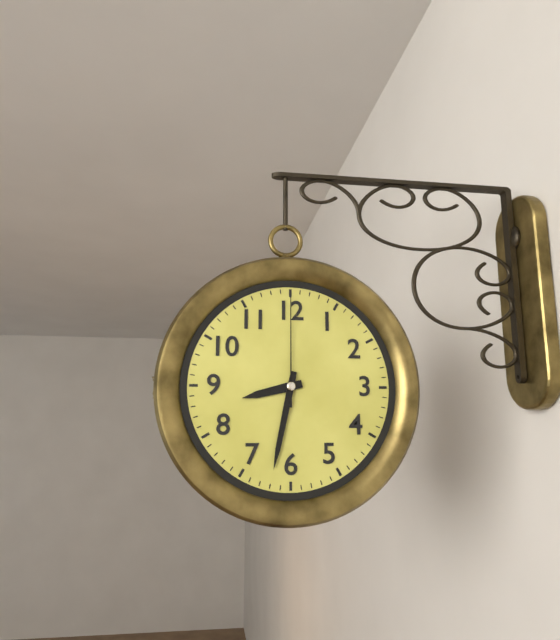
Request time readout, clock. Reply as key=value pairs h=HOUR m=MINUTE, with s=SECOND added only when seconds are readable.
h=8 m=32 s=0
